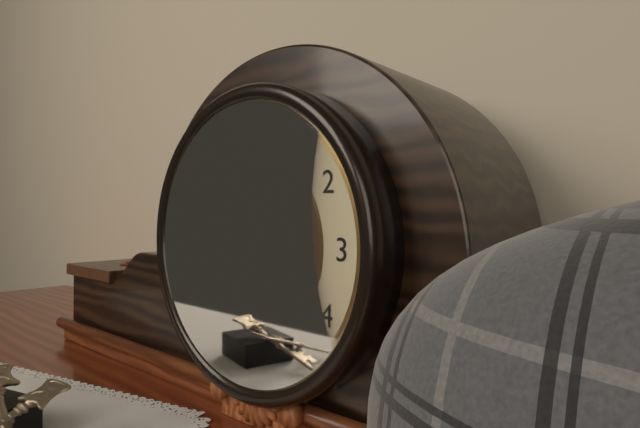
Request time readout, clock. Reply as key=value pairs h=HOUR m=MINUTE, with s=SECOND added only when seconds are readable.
h=5 m=57
